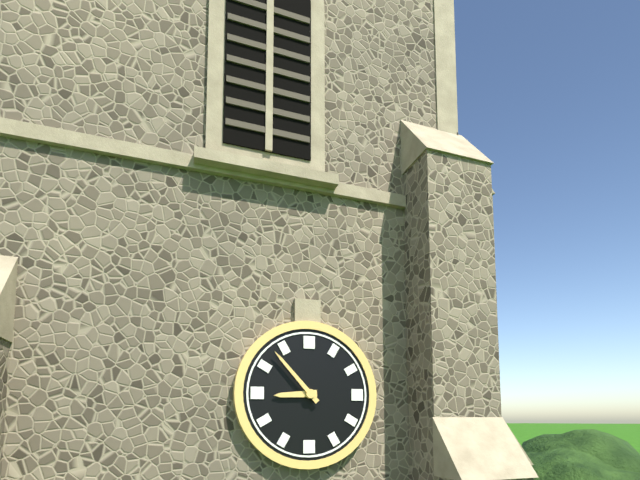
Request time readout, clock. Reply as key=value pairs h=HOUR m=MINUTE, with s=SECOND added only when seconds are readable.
h=8 m=53
